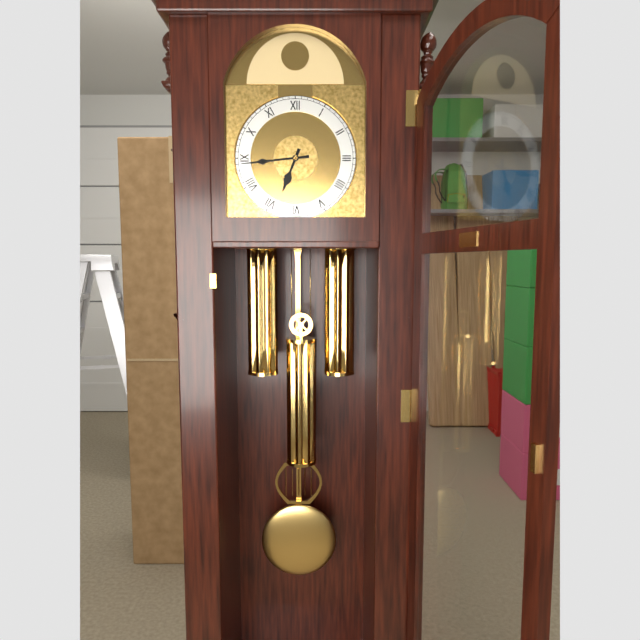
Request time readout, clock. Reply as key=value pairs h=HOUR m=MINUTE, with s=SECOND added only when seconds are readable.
h=6 m=44
